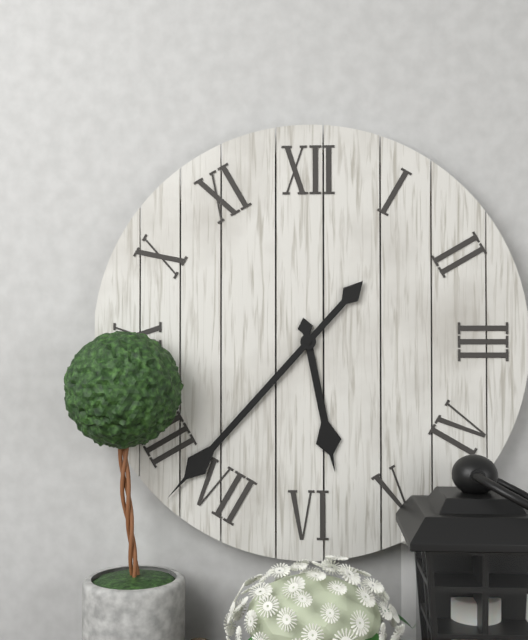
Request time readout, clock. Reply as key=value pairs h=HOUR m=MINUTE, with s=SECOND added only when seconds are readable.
h=5 m=37
